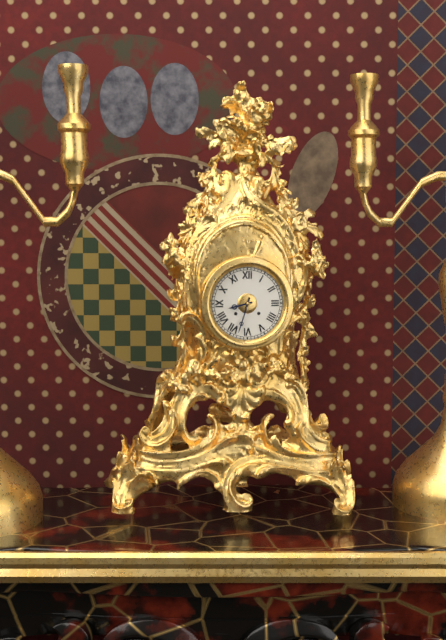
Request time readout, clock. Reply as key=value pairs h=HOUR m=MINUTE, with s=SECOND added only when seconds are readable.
h=8 m=33
